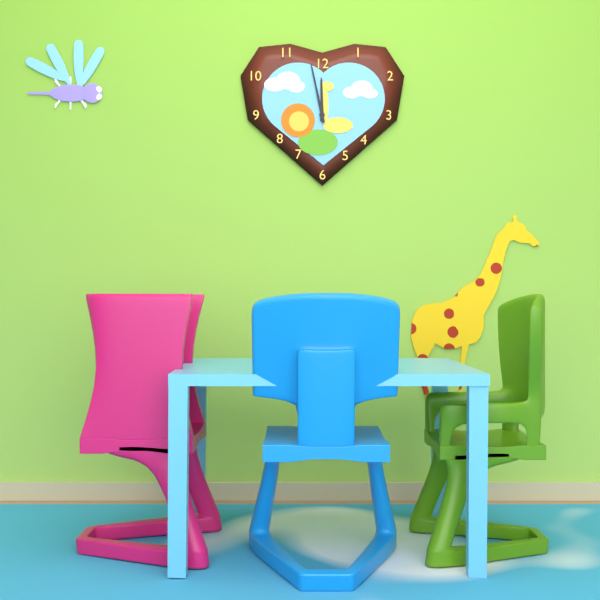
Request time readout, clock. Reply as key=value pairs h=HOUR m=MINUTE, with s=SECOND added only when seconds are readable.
h=11 m=58
